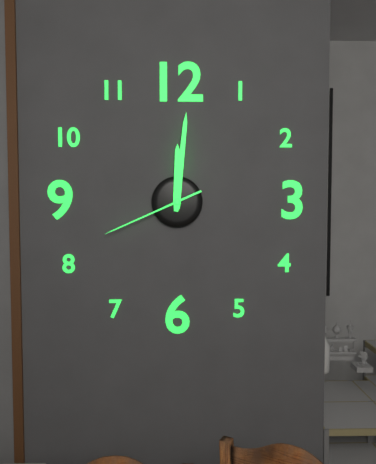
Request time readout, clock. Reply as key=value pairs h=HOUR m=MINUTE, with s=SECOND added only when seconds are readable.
h=12 m=1 s=41
